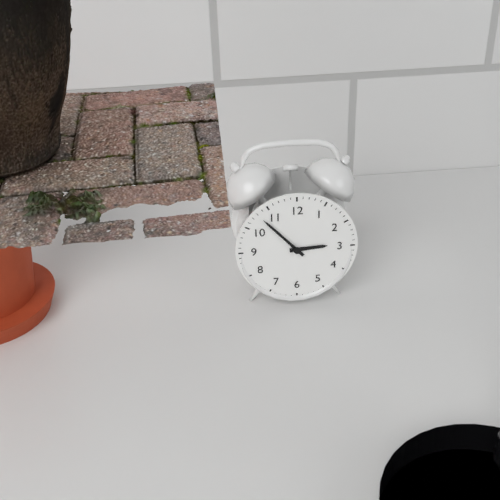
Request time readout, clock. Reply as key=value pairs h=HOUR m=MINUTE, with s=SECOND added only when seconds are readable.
h=2 m=53
